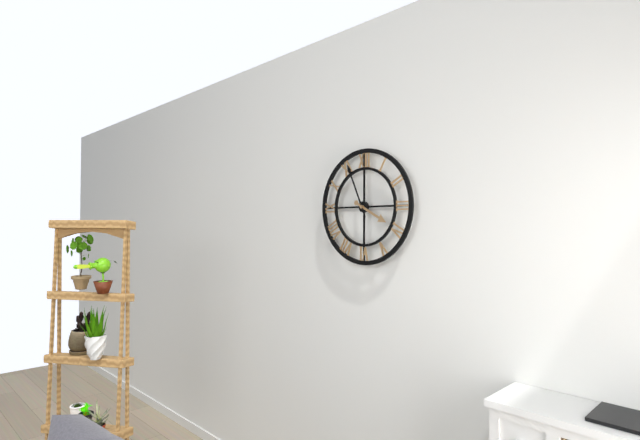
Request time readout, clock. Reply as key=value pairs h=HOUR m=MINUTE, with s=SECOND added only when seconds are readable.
h=3 m=56
